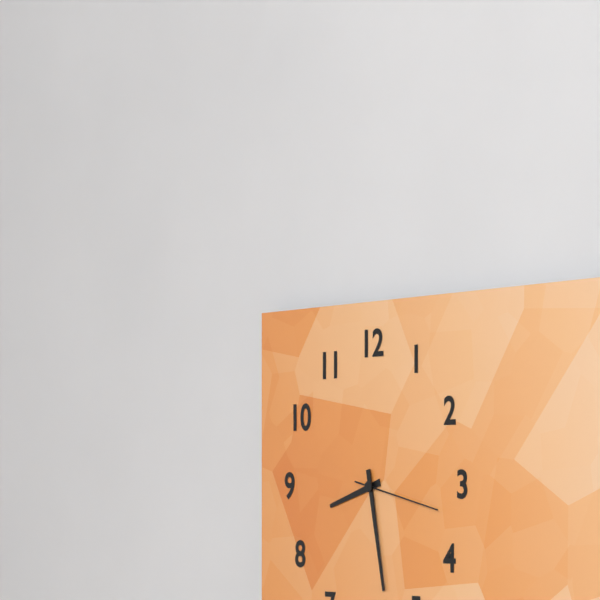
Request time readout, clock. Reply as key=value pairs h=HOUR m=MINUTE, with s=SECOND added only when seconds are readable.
h=8 m=28 s=17
